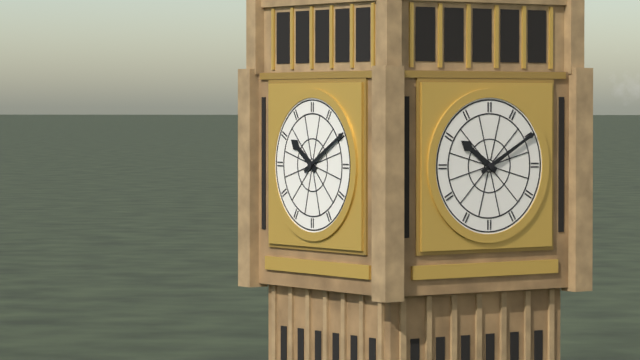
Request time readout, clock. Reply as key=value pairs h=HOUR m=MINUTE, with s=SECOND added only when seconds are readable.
h=10 m=10
